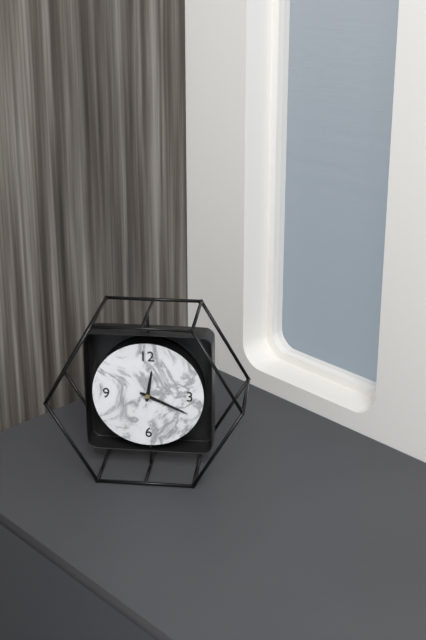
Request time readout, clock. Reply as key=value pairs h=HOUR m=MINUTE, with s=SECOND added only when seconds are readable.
h=12 m=19
